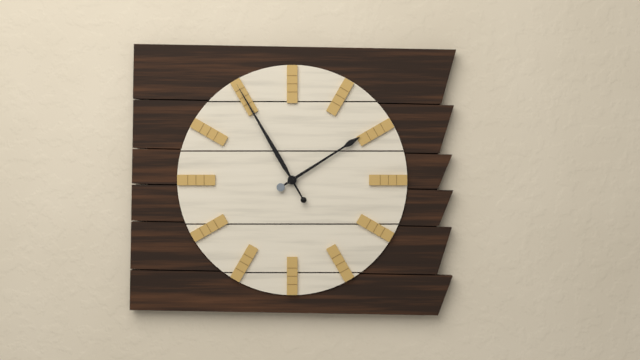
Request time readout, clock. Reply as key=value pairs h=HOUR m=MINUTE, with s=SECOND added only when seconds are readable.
h=1 m=55
